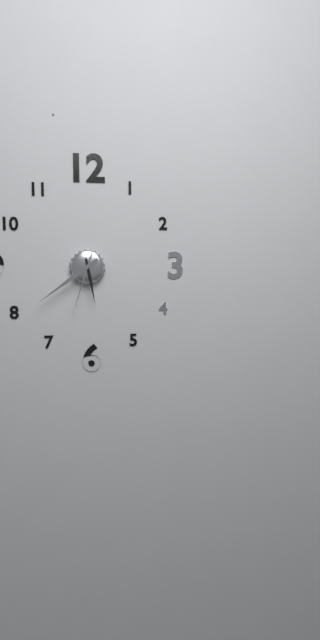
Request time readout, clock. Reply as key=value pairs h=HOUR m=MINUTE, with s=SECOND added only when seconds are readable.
h=5 m=39 s=33
